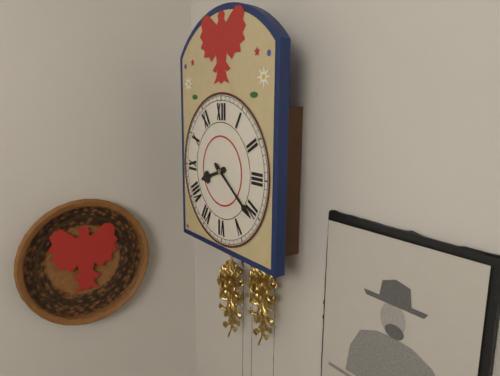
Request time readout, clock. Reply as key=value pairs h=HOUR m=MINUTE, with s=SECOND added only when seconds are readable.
h=8 m=21
